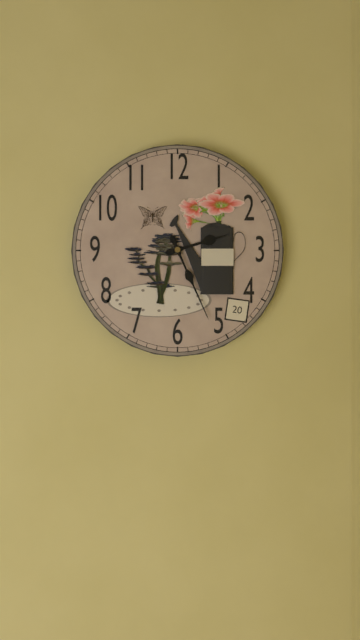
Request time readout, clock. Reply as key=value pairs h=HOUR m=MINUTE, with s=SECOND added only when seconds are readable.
h=2 m=26
